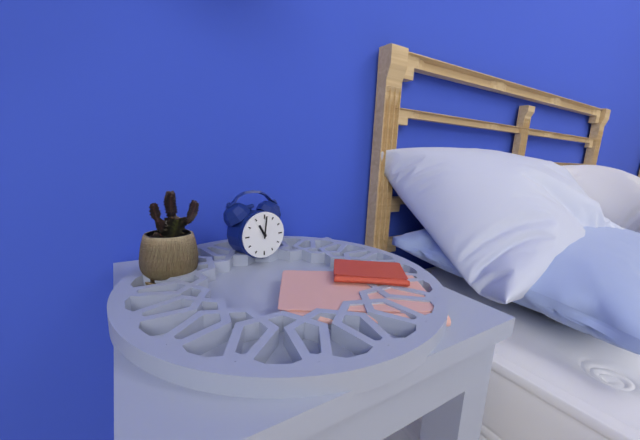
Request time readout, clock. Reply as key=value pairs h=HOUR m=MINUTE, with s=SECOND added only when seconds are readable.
h=11 m=1
